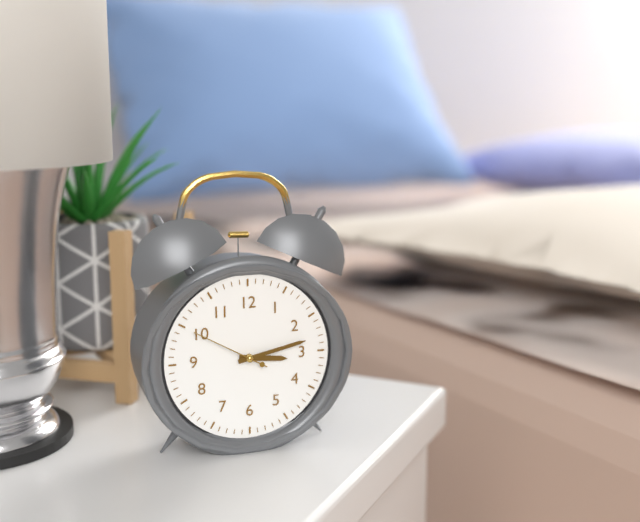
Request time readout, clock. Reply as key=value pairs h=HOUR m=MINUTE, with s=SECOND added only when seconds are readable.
h=3 m=13 s=50
